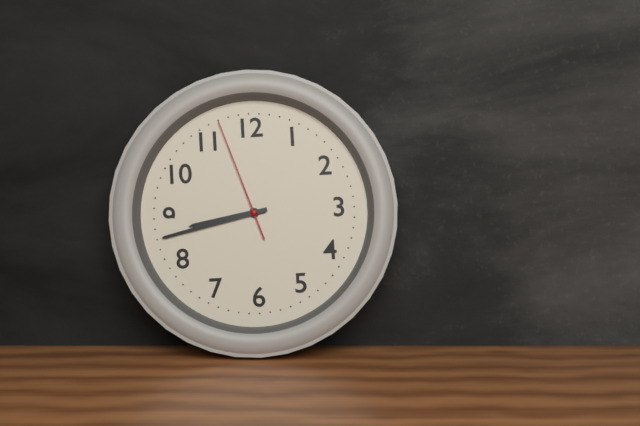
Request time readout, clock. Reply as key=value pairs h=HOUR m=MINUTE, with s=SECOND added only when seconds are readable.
h=8 m=43 s=57
